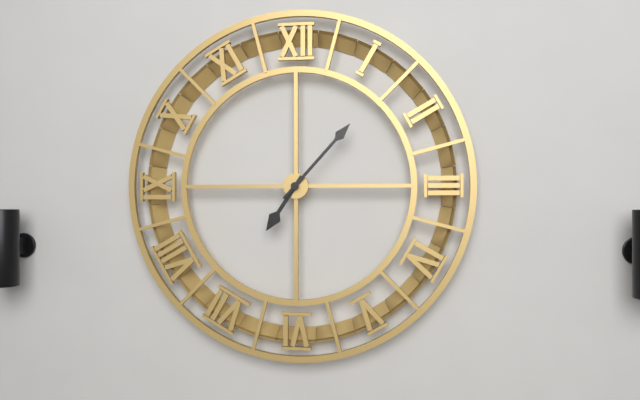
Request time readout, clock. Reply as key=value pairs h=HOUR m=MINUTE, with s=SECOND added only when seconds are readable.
h=7 m=7
